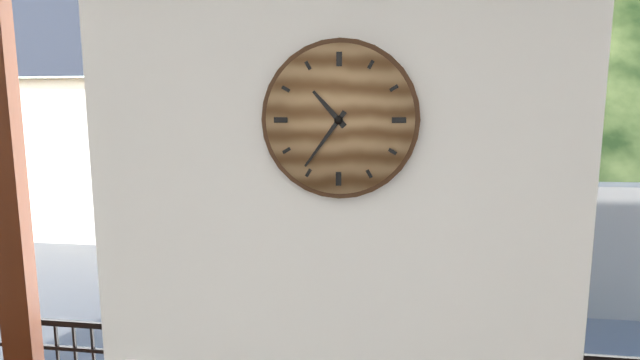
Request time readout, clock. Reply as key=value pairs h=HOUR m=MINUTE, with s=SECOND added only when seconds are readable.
h=10 m=36
